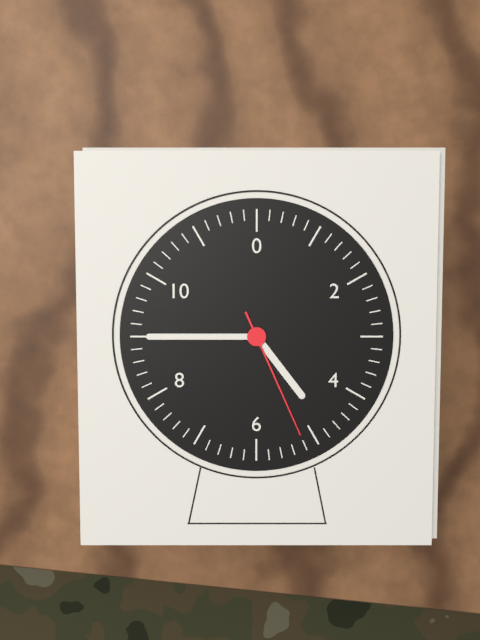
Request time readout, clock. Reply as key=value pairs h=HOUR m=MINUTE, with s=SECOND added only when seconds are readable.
h=4 m=45 s=26
